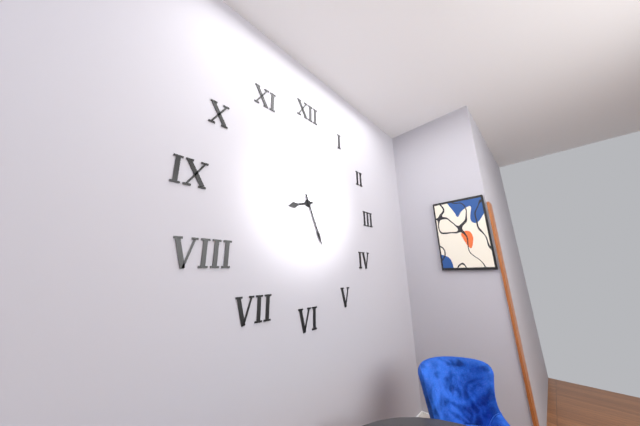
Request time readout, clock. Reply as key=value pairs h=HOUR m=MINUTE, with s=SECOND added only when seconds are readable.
h=8 m=26
